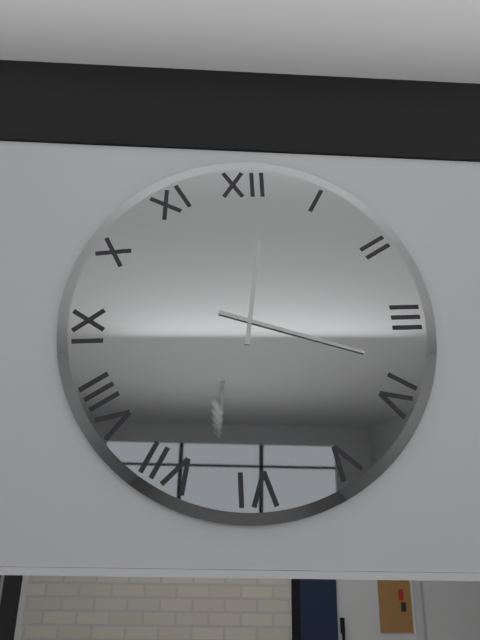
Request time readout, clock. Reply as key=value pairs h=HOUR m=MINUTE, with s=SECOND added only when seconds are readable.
h=12 m=18
